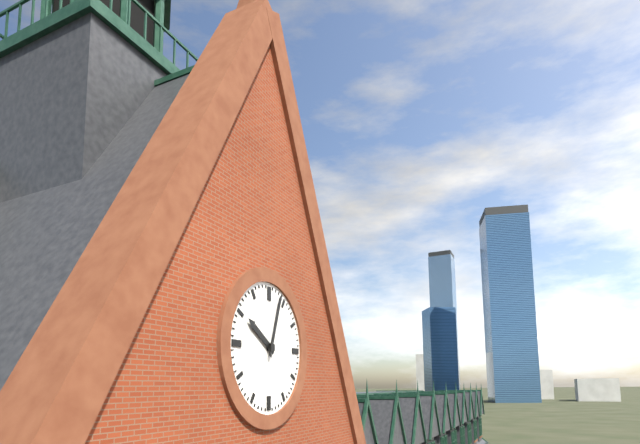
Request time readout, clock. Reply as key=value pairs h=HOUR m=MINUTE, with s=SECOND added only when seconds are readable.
h=10 m=3
